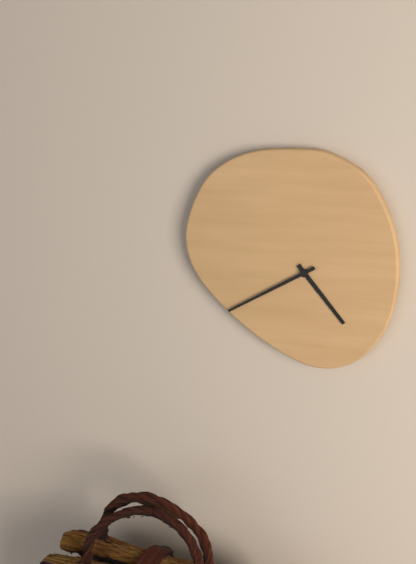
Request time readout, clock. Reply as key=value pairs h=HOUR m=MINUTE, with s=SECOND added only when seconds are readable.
h=4 m=40
